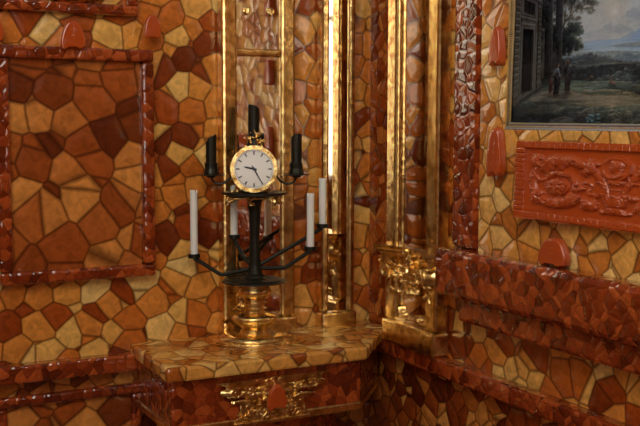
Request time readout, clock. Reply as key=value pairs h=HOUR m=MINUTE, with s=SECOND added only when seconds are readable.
h=9 m=25
